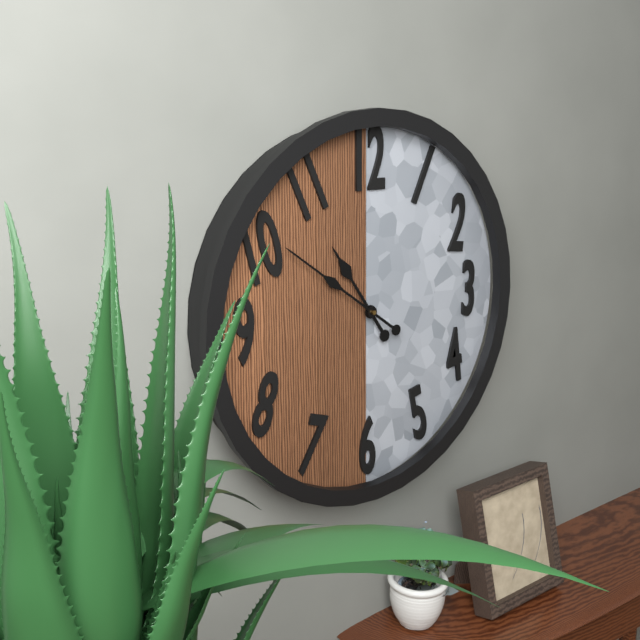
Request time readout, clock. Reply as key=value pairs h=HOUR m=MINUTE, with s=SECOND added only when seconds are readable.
h=10 m=51
